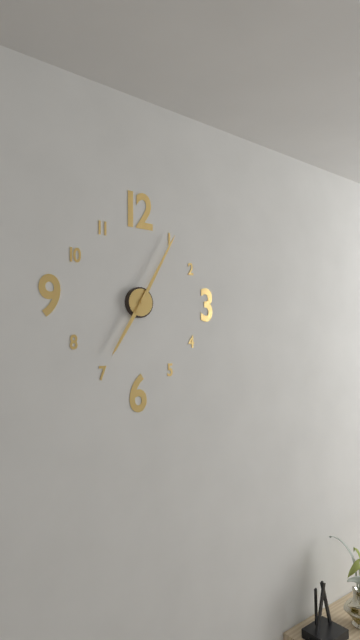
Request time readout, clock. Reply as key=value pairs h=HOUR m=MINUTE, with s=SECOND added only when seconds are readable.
h=7 m=5
